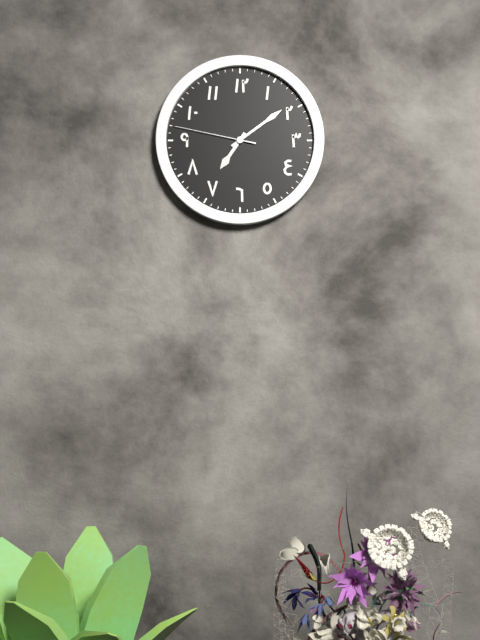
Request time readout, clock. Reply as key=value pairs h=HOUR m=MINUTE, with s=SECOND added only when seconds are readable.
h=7 m=9 s=47
